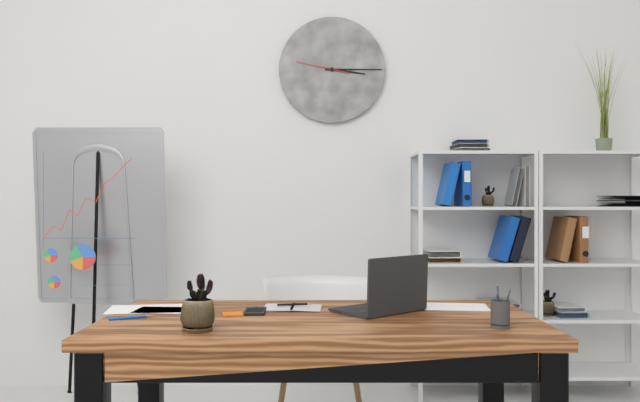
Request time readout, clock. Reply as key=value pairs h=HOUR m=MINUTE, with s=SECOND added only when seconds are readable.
h=3 m=15
